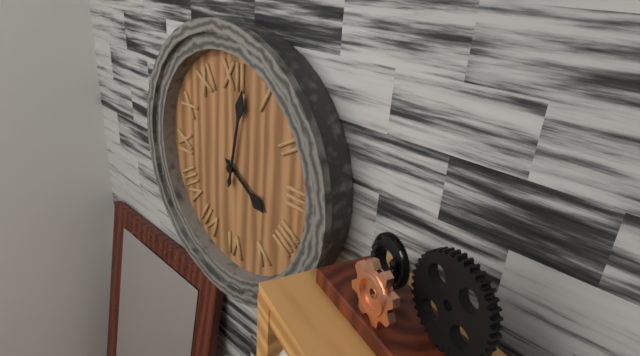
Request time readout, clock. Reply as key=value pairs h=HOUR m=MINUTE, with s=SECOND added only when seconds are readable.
h=4 m=2
